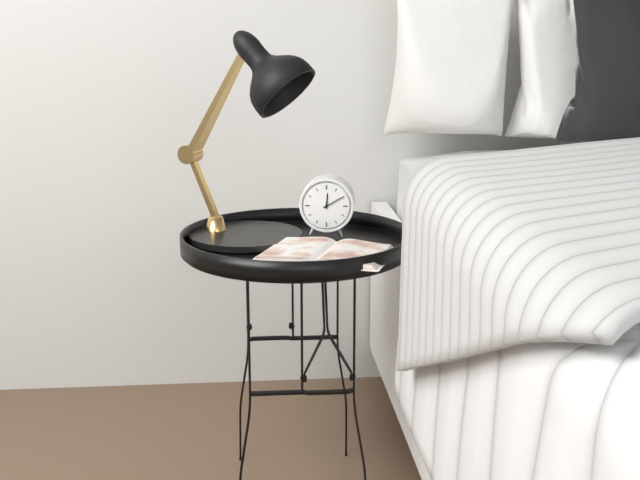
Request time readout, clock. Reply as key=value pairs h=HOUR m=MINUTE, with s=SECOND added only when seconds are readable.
h=12 m=10
